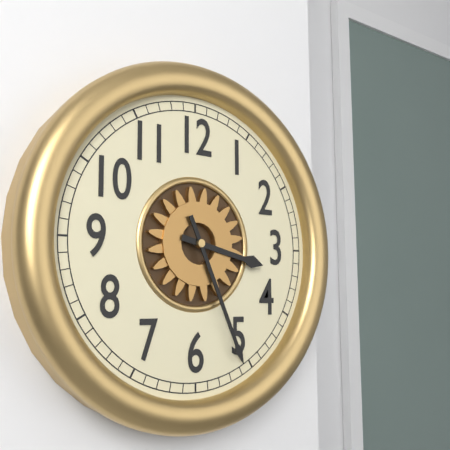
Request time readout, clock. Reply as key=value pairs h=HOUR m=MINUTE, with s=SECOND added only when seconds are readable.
h=3 m=26
